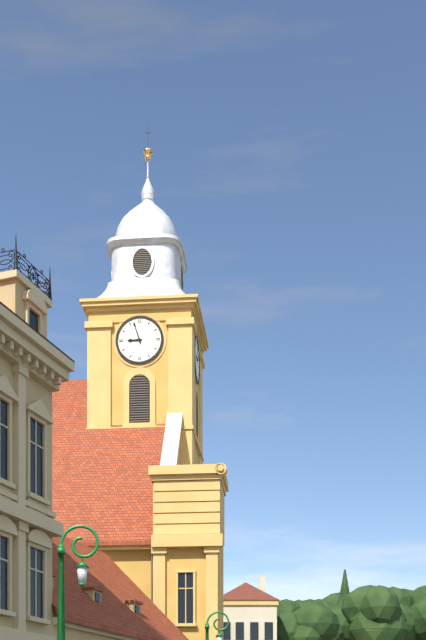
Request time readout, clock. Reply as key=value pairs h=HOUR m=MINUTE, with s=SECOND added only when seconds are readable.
h=8 m=57
